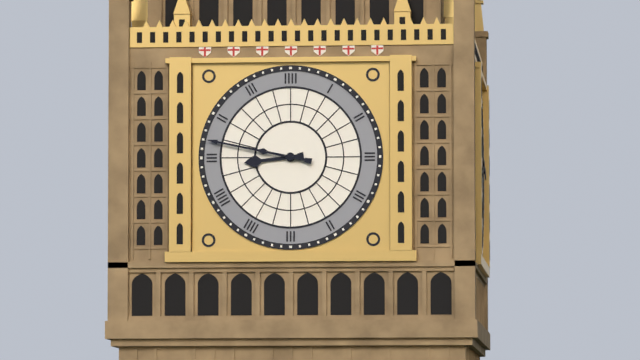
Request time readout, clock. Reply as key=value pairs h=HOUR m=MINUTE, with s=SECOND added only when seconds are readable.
h=8 m=47
